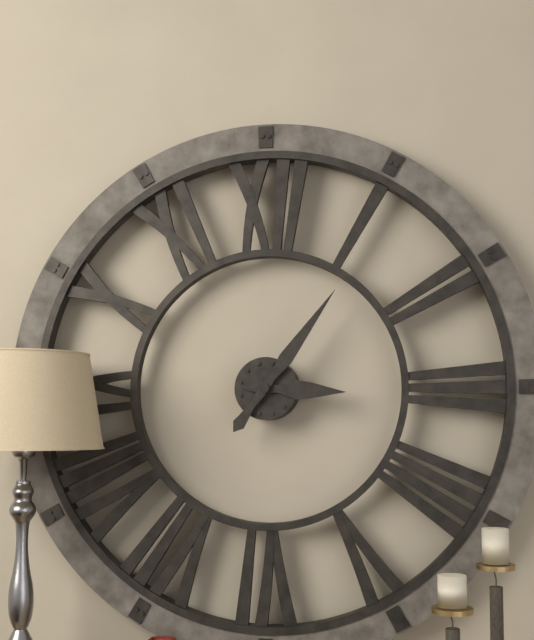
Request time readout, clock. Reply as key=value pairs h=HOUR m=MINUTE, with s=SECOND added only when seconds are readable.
h=3 m=6
